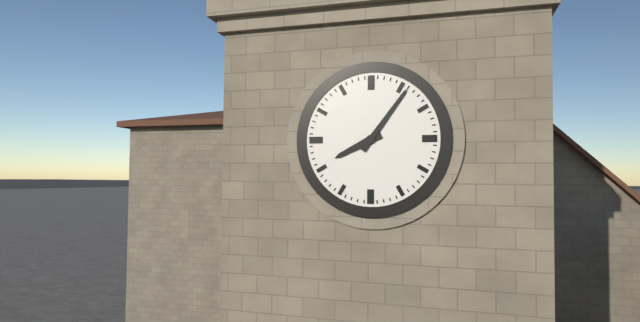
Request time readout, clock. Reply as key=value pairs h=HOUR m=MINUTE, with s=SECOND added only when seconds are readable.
h=8 m=6
